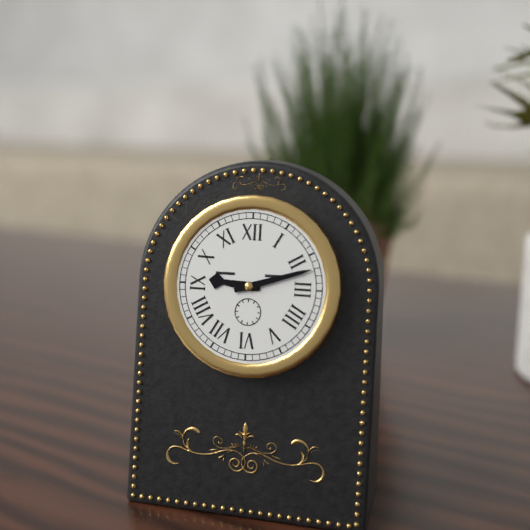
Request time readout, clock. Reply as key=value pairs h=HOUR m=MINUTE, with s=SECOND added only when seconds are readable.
h=9 m=12
